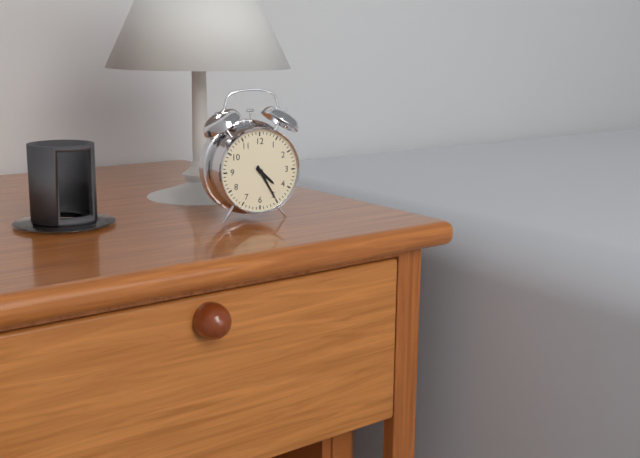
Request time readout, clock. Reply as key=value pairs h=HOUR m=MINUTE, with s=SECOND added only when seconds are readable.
h=4 m=25
